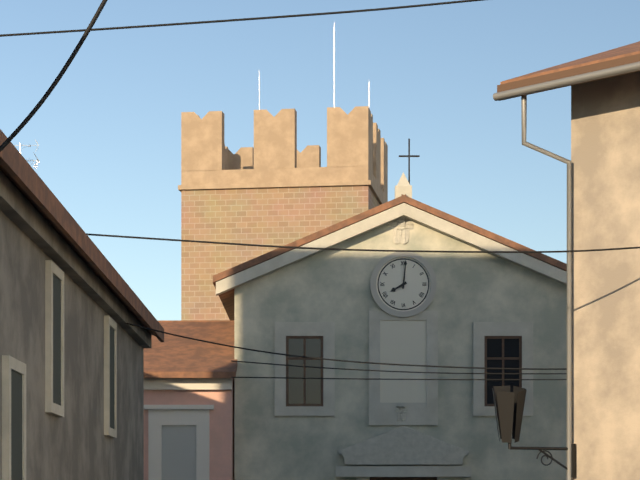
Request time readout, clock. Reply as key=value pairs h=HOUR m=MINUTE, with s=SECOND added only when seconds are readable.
h=8 m=1
